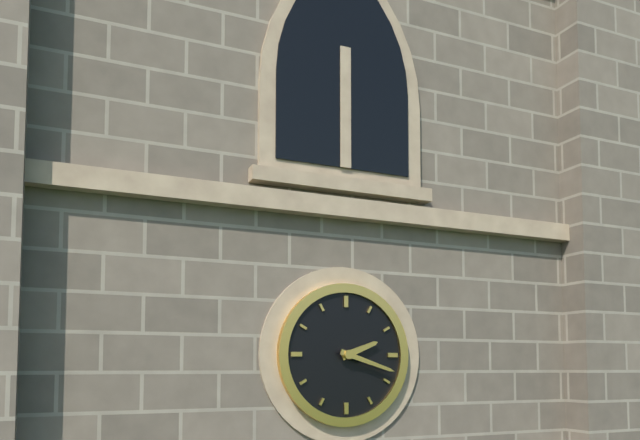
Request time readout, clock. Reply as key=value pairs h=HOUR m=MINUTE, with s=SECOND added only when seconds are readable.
h=2 m=18
